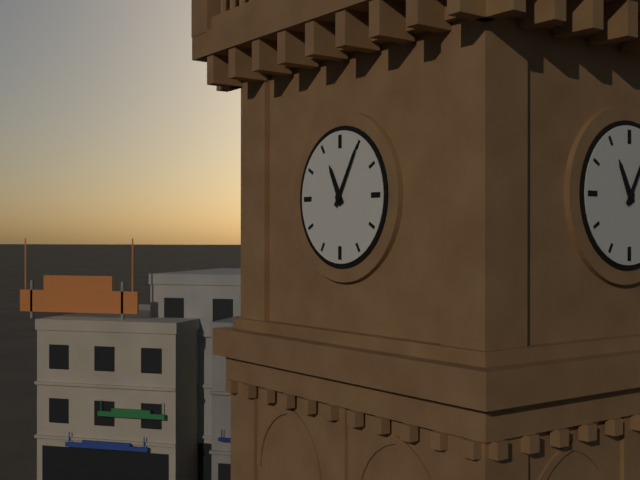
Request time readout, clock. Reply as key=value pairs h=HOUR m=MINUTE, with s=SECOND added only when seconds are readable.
h=11 m=5
